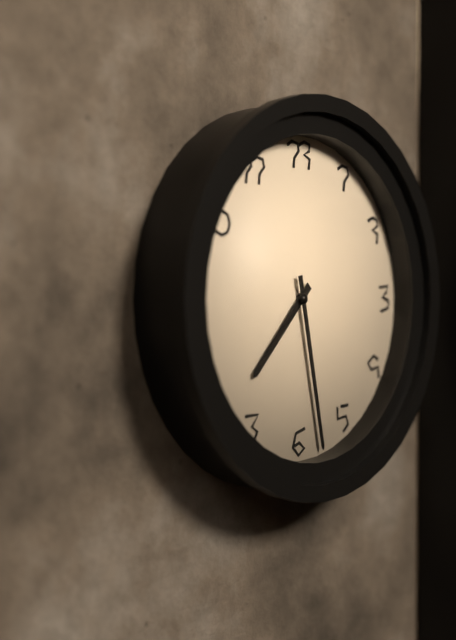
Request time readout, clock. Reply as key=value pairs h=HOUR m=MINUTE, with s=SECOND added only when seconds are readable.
h=7 m=28
